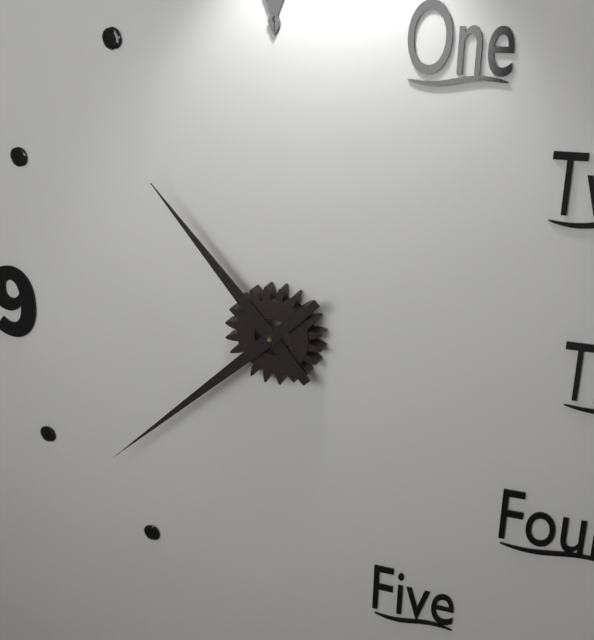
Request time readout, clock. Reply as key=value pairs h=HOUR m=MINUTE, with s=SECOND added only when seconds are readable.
h=10 m=38
